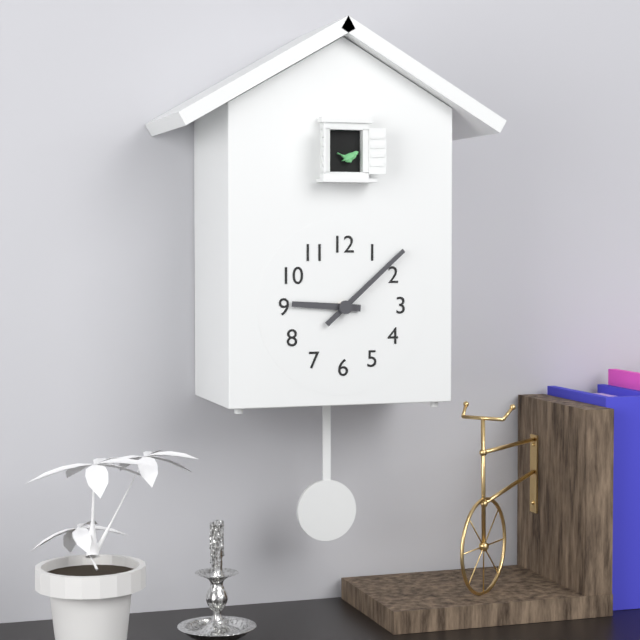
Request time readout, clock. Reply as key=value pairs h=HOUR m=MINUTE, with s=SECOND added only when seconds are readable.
h=9 m=8
